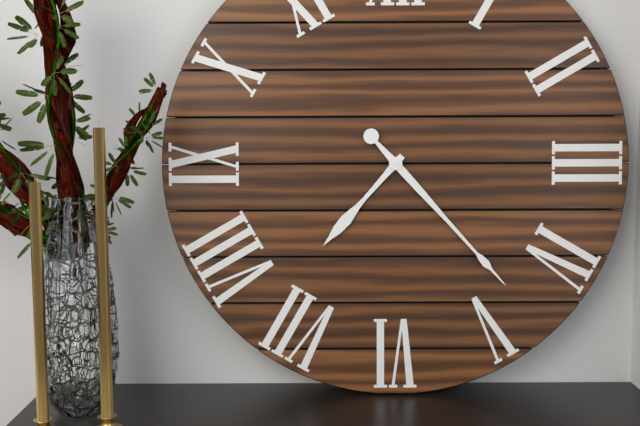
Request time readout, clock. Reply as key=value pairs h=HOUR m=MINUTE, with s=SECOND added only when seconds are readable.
h=7 m=23
